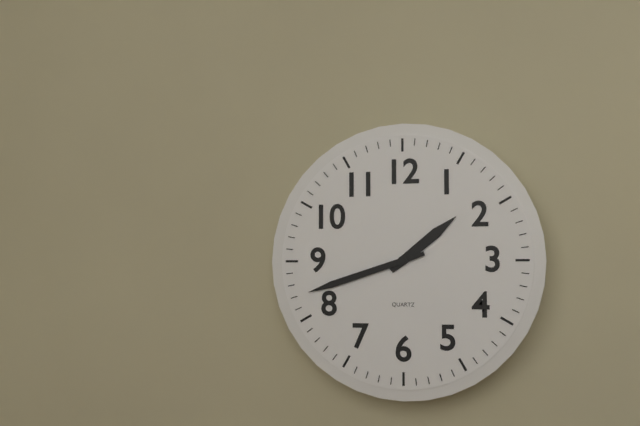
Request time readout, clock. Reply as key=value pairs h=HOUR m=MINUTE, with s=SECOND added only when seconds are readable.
h=1 m=42
